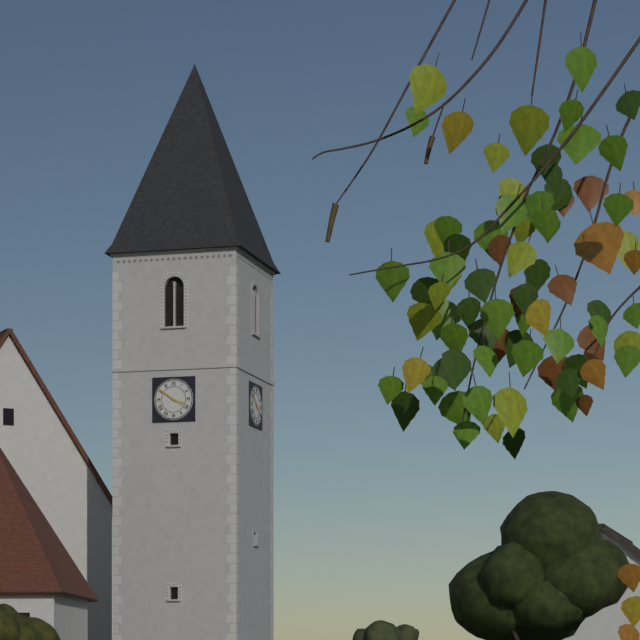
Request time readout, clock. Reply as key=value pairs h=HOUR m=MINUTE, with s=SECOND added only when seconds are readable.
h=3 m=51
